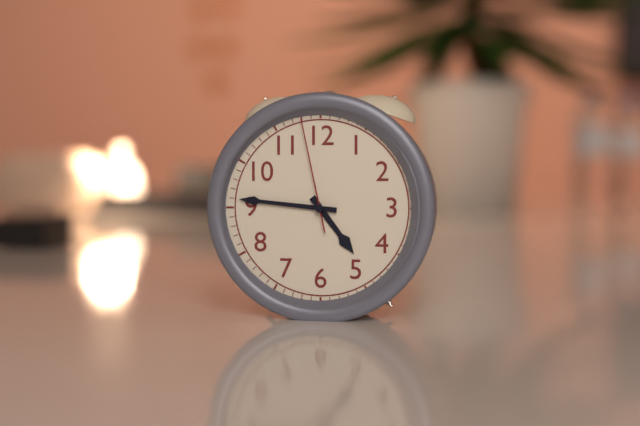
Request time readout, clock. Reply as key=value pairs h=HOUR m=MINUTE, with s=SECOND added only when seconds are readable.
h=4 m=46 s=58
